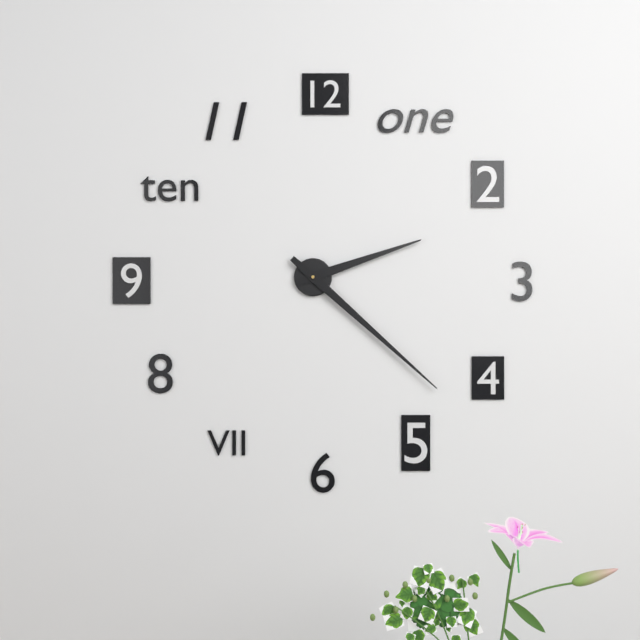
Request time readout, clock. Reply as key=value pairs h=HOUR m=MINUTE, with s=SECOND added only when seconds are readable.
h=2 m=22
